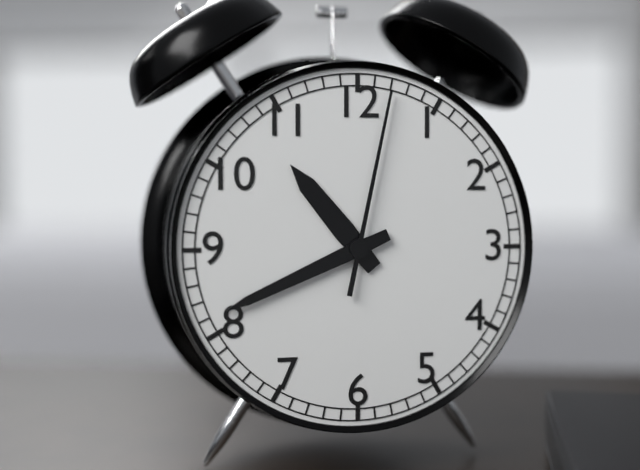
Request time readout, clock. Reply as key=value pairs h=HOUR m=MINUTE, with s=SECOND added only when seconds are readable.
h=10 m=41 s=2
